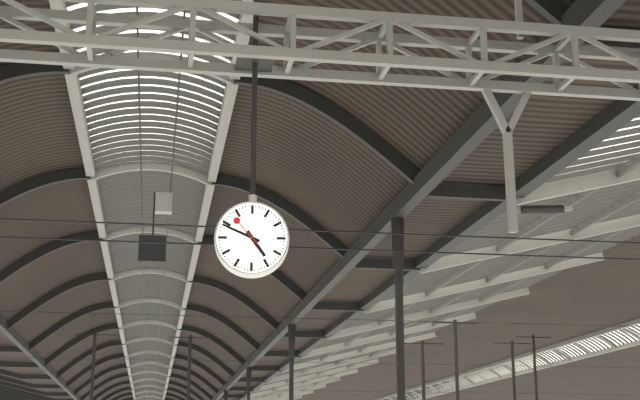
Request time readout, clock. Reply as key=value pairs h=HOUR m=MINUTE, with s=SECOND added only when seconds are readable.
h=4 m=49
